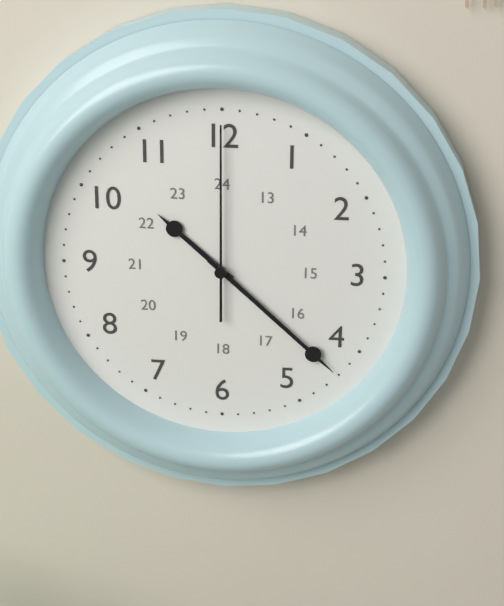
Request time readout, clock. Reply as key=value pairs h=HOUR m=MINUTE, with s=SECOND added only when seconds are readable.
h=10 m=22 s=0
